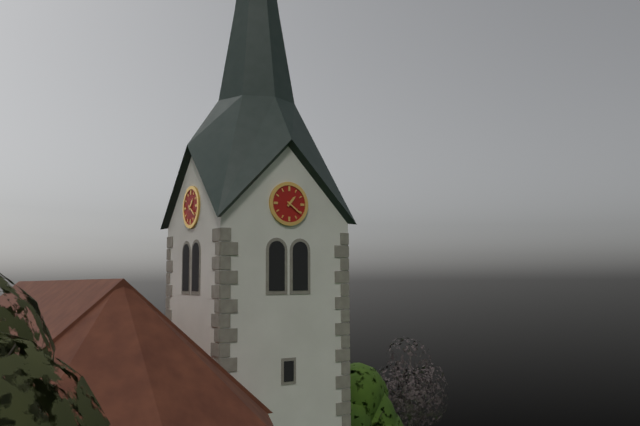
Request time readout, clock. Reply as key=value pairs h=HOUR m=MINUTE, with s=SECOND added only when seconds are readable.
h=1 m=21
